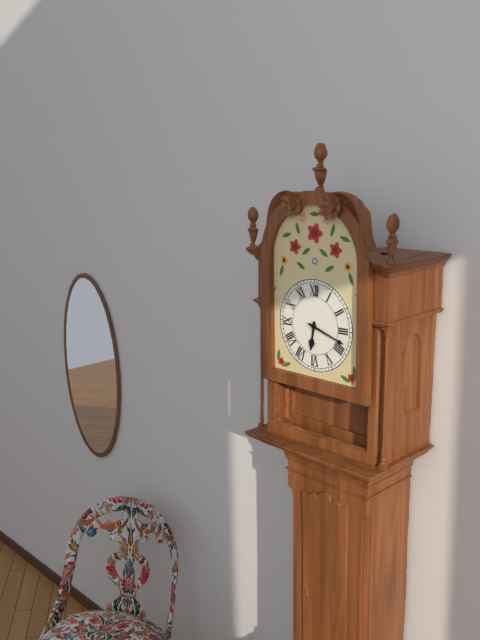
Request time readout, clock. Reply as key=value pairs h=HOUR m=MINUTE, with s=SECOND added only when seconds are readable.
h=6 m=18
